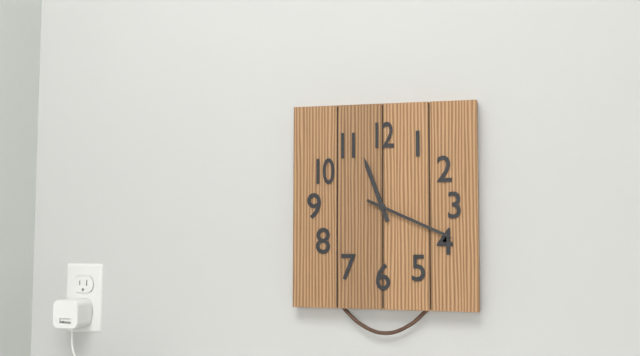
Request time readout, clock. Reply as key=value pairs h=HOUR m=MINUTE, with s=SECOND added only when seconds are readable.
h=11 m=19
